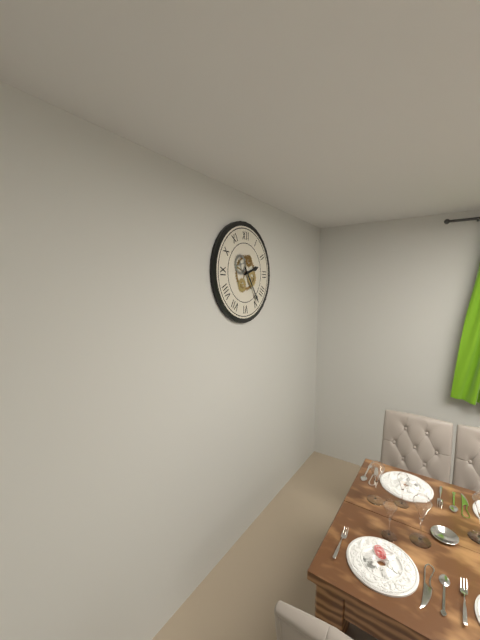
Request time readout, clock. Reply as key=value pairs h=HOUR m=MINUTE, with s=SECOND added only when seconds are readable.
h=2 m=24
